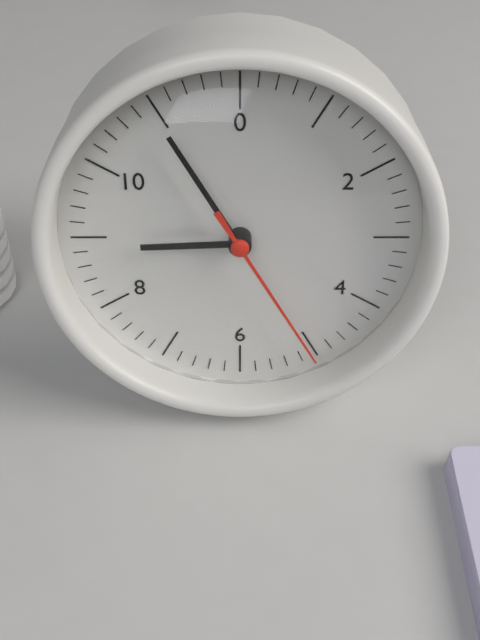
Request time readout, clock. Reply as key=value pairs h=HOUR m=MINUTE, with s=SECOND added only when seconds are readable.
h=8 m=55 s=25
